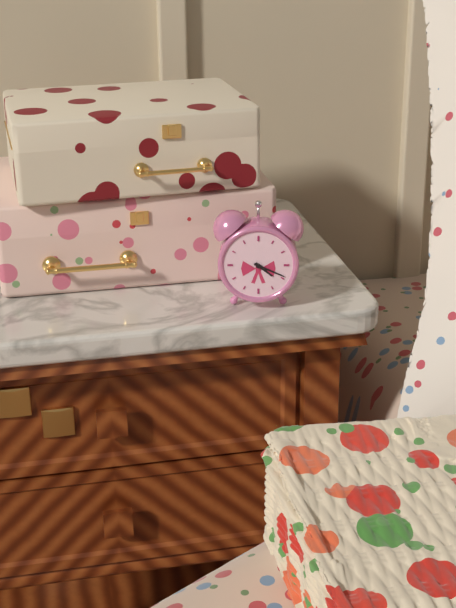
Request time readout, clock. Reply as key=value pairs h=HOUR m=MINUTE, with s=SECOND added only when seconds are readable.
h=4 m=19
